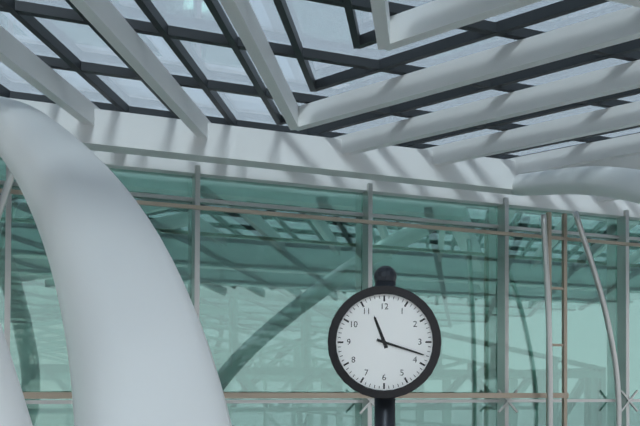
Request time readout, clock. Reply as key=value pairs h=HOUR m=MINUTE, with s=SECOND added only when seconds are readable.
h=11 m=18
